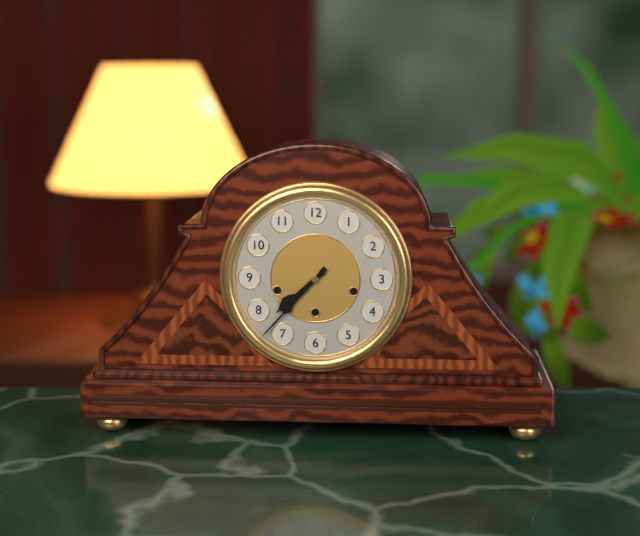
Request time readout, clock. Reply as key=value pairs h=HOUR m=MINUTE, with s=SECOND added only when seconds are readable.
h=7 m=37
